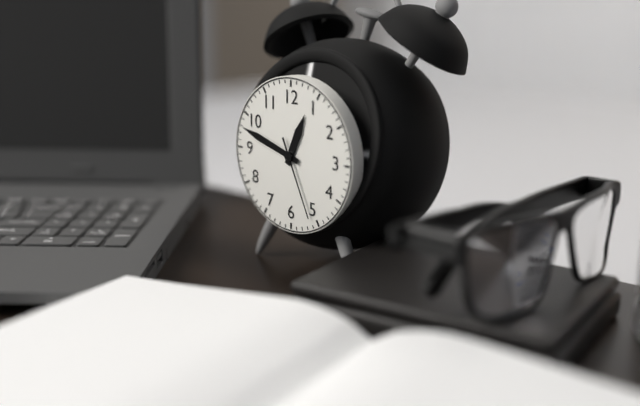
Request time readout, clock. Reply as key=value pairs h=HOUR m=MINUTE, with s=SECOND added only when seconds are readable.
h=12 m=48 s=26
